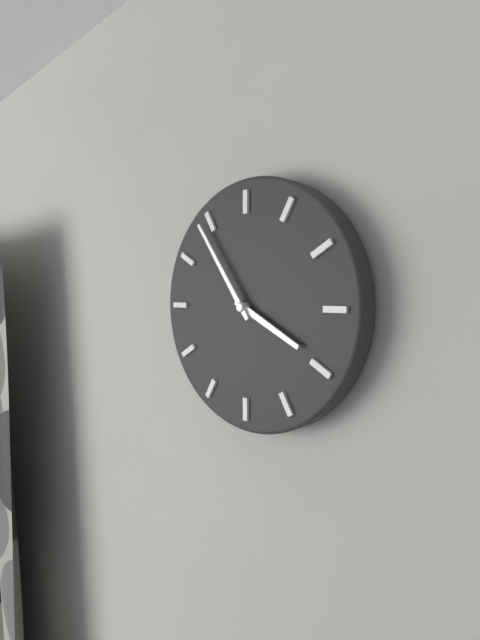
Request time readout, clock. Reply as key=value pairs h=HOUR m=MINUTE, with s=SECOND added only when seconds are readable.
h=3 m=54
